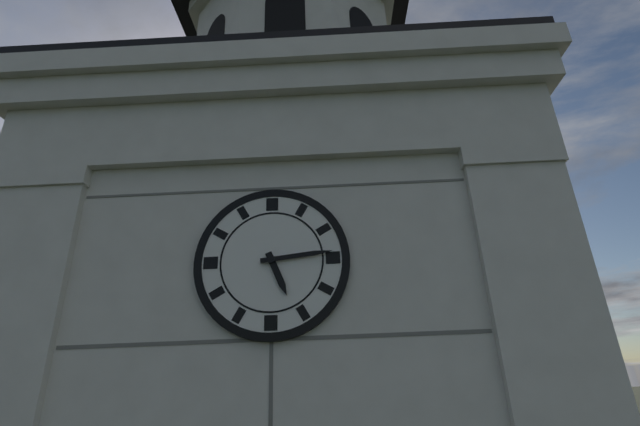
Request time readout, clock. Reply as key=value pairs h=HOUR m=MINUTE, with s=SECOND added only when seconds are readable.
h=5 m=14
